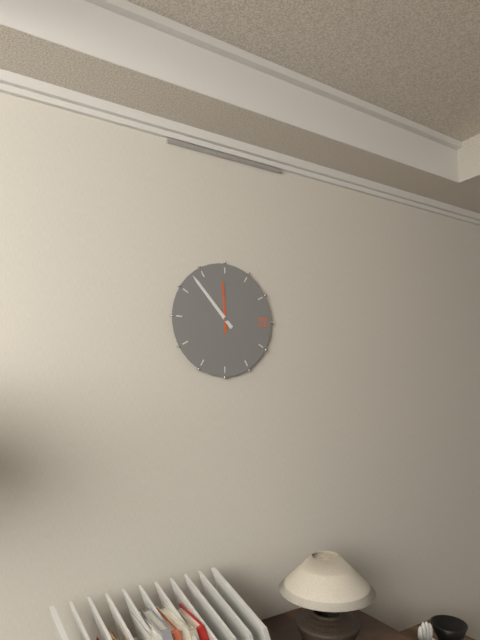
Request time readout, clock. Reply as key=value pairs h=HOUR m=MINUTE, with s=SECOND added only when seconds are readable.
h=11 m=53
